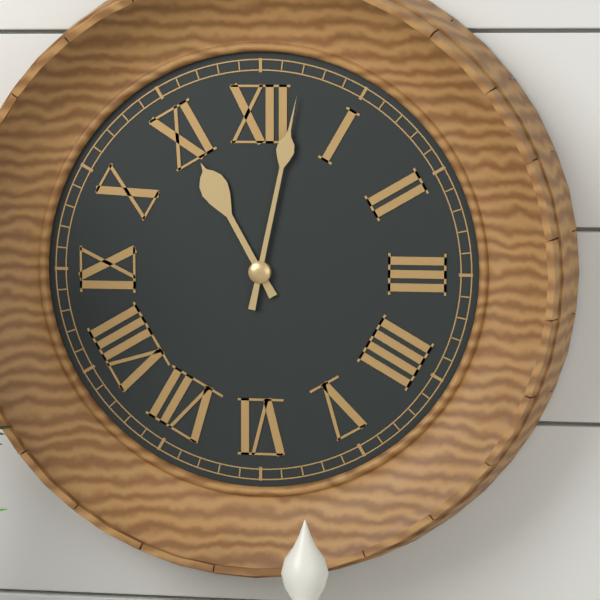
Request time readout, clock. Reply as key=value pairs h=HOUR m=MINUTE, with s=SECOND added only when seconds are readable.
h=11 m=2
